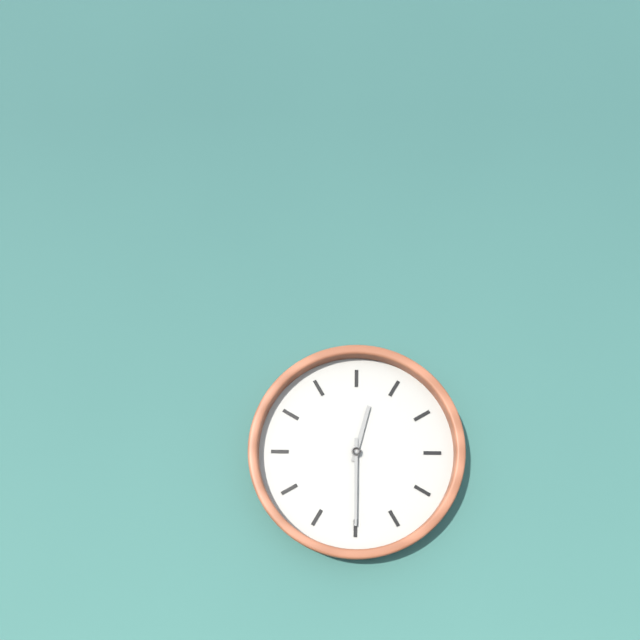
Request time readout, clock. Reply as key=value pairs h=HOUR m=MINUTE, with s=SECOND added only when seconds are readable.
h=12 m=30
